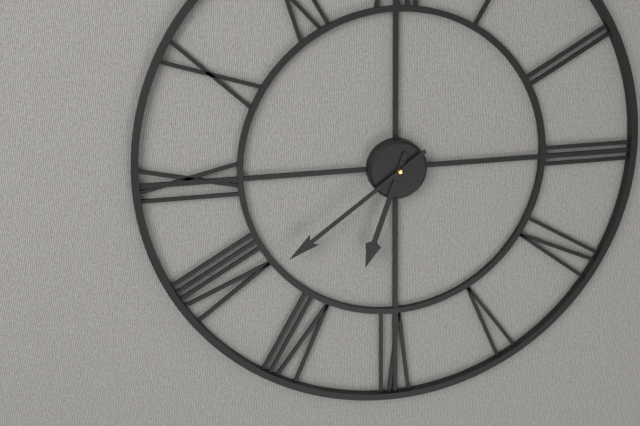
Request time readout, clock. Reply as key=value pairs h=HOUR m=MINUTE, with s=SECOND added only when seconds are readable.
h=6 m=39
